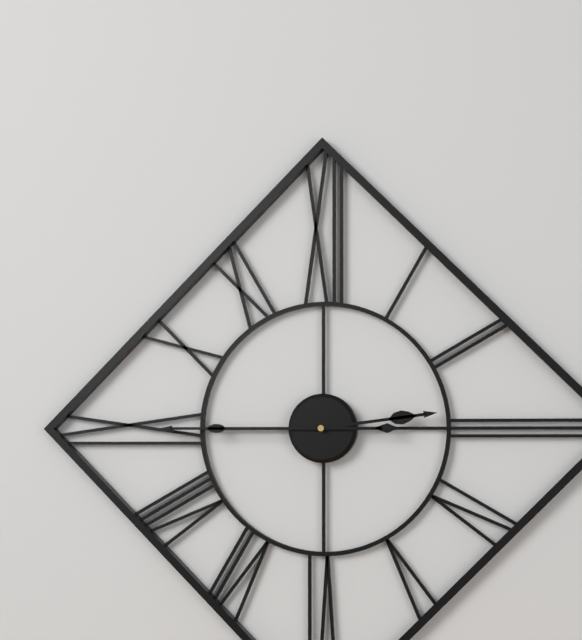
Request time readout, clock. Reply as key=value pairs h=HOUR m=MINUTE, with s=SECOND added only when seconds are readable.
h=2 m=45
